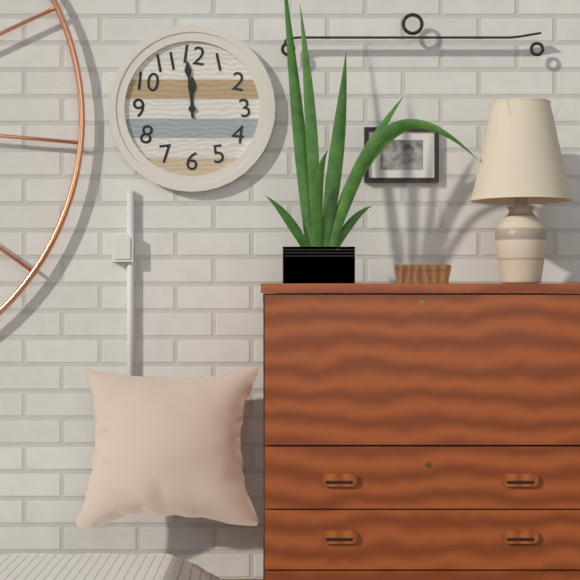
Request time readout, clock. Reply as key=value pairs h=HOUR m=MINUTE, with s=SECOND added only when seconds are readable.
h=11 m=59
